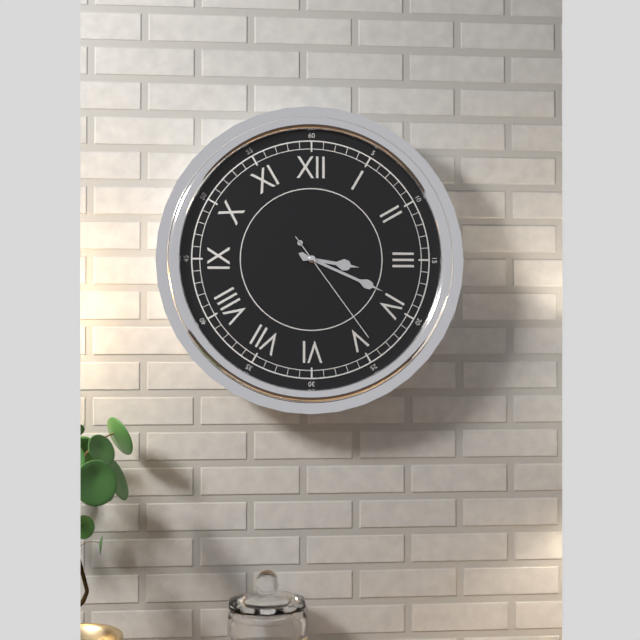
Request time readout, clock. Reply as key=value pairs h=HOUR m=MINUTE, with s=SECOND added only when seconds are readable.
h=3 m=19 s=24
